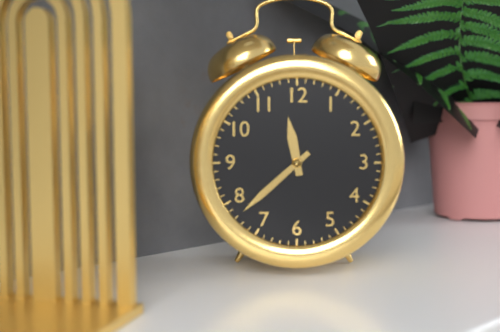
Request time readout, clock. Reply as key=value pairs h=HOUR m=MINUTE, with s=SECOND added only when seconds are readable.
h=11 m=38
